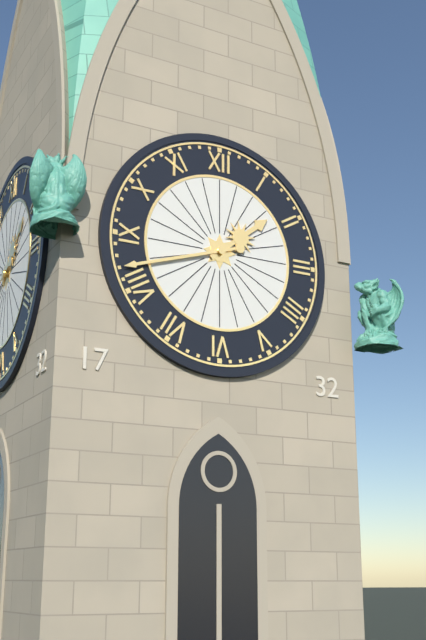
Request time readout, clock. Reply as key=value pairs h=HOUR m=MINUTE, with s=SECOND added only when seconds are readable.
h=1 m=42
